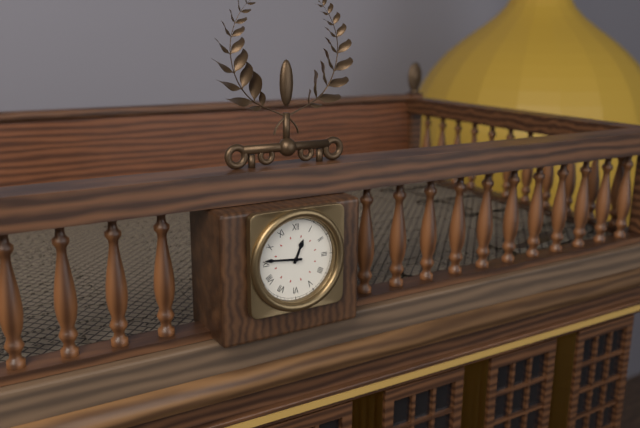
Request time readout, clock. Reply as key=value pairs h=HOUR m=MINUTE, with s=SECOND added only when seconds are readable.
h=12 m=46
